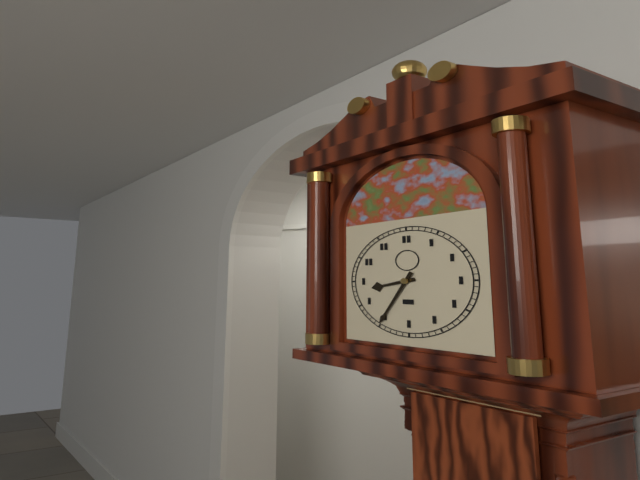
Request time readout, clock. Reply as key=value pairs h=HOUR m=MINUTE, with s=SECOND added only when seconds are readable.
h=8 m=35
